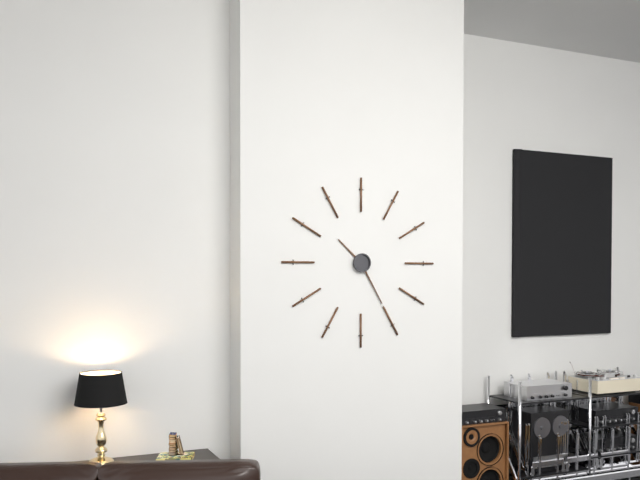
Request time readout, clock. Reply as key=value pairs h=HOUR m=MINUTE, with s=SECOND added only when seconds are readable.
h=10 m=25
